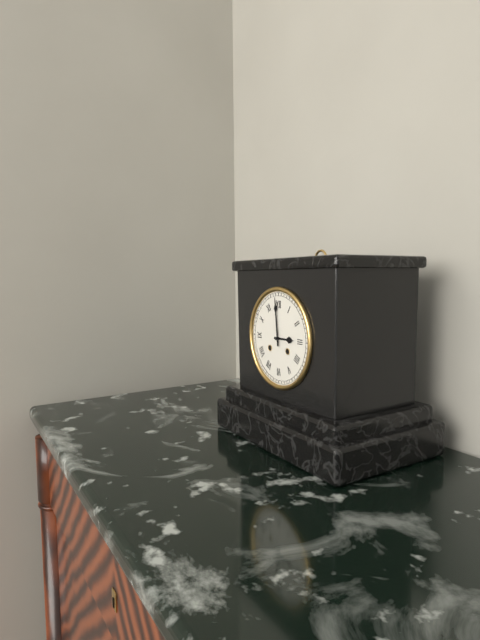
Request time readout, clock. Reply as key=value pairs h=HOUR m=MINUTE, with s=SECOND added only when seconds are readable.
h=2 m=59
